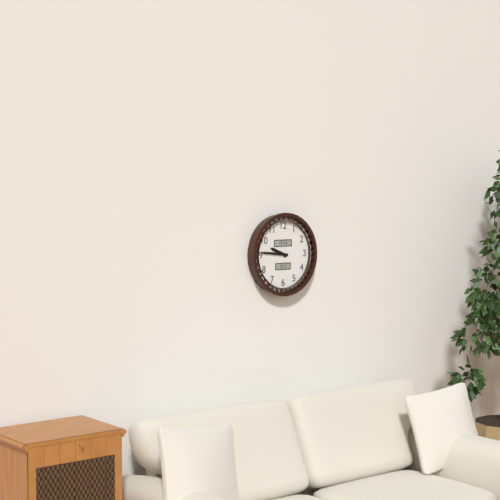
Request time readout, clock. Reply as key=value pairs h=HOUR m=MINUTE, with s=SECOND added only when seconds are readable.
h=9 m=46
